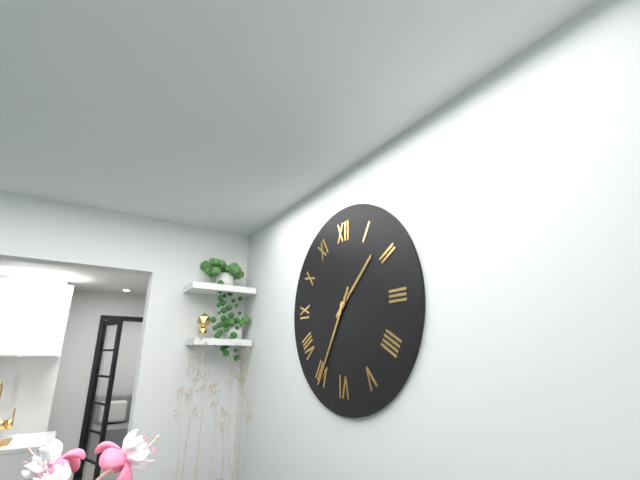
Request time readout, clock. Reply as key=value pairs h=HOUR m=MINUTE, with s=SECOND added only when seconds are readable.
h=1 m=35
